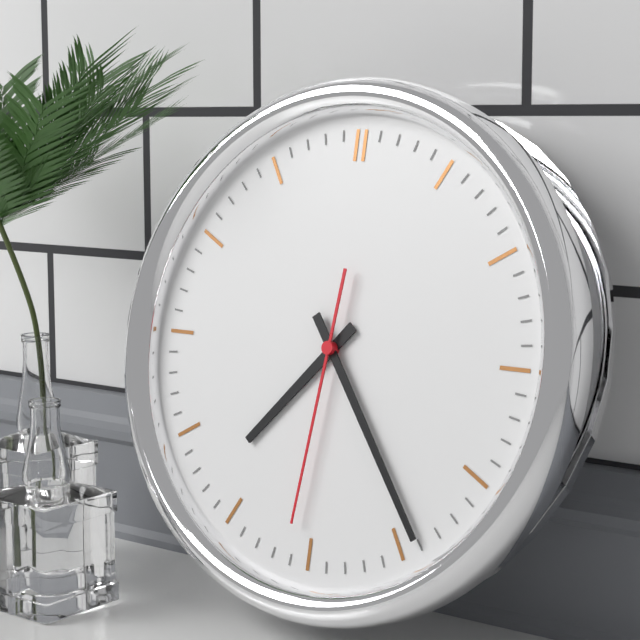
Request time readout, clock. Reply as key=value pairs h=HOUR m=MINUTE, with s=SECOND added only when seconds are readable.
h=7 m=24 s=31
